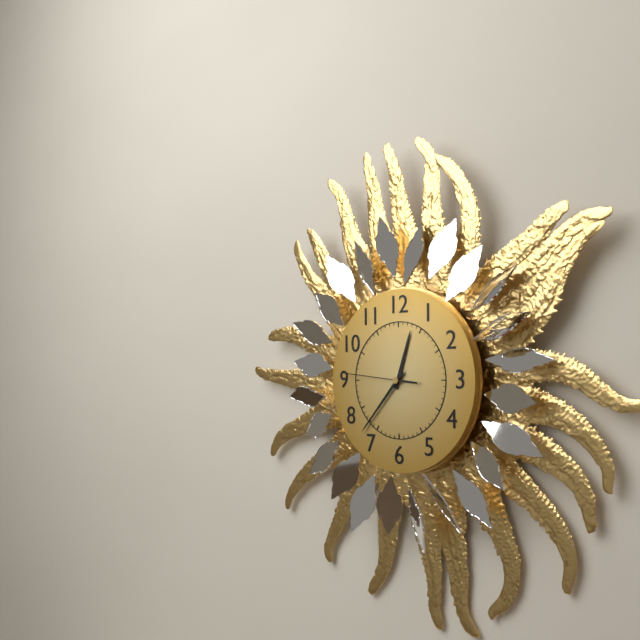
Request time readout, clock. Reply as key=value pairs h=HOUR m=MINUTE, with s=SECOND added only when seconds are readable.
h=12 m=37 s=46
